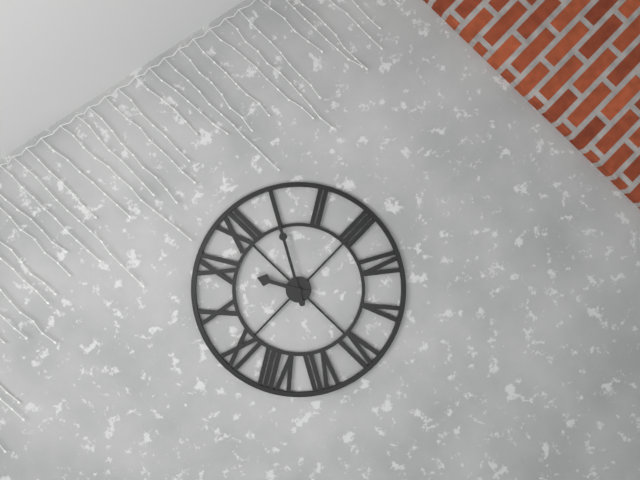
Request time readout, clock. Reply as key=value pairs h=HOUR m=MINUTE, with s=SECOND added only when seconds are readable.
h=11 m=5
